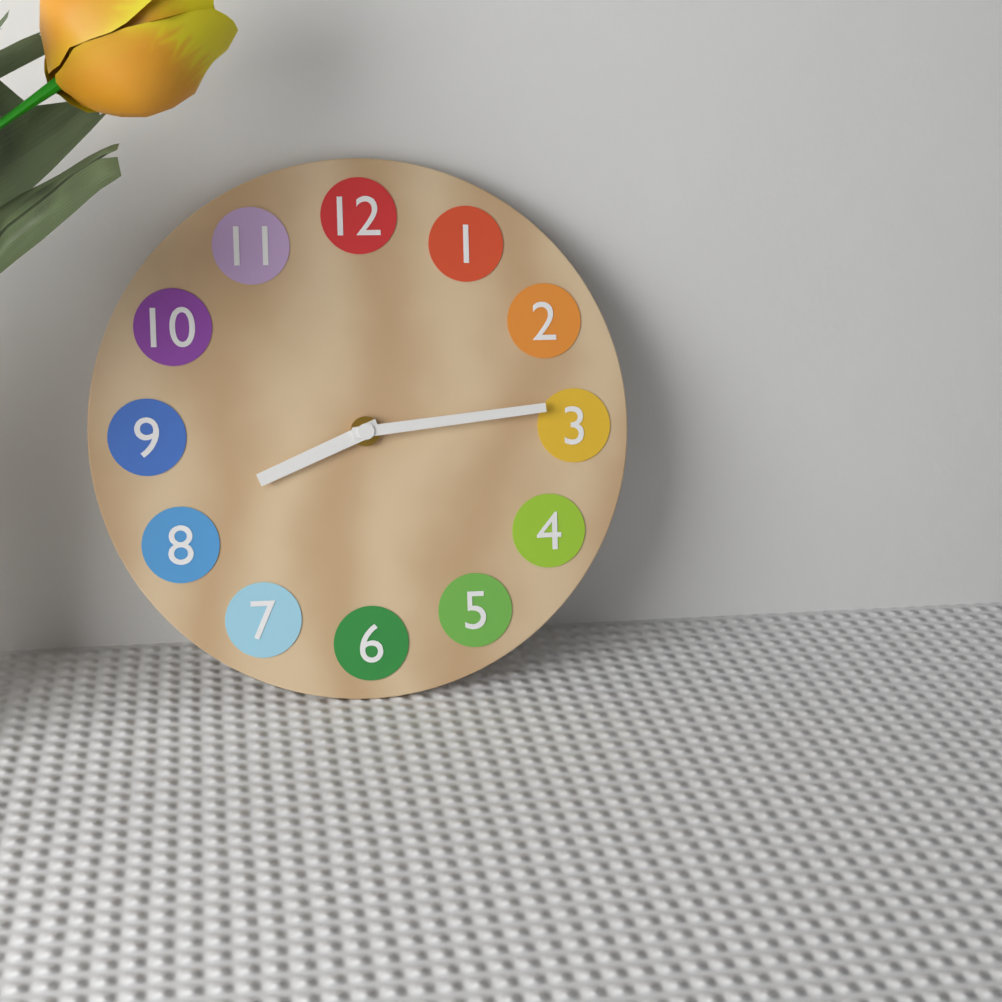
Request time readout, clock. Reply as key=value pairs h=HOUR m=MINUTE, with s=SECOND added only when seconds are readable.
h=8 m=14
